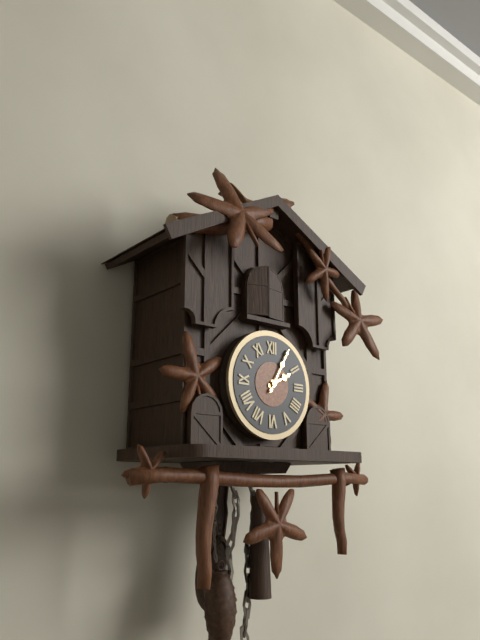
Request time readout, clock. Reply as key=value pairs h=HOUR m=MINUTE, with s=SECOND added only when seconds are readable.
h=2 m=5
